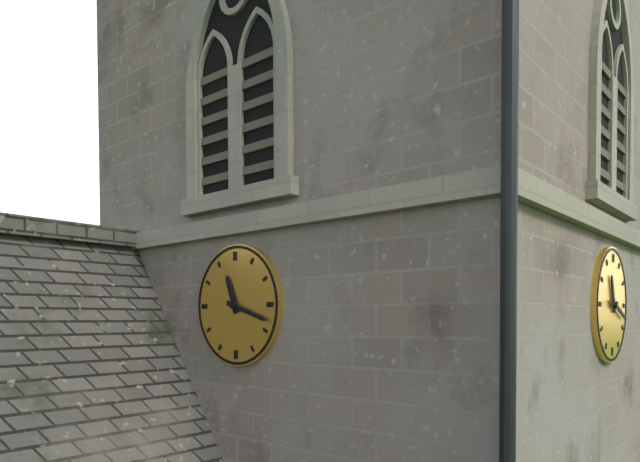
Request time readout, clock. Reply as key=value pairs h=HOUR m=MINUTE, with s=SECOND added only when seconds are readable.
h=11 m=18
